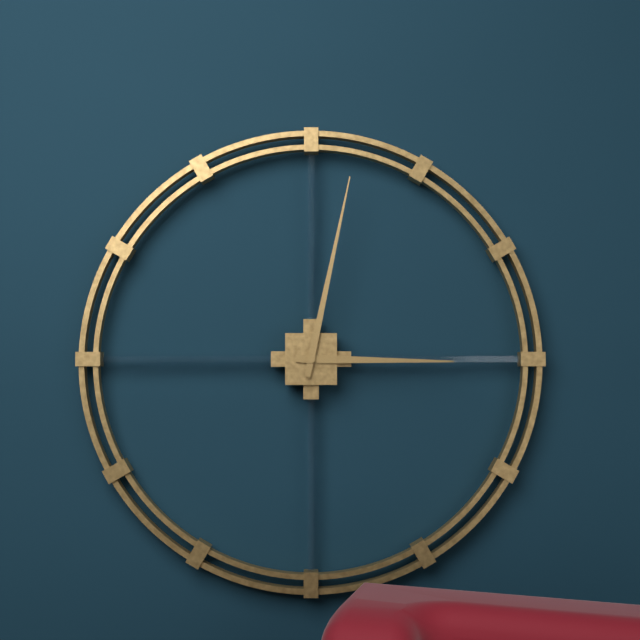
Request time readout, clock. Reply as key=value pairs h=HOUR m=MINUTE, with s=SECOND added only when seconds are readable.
h=3 m=2
